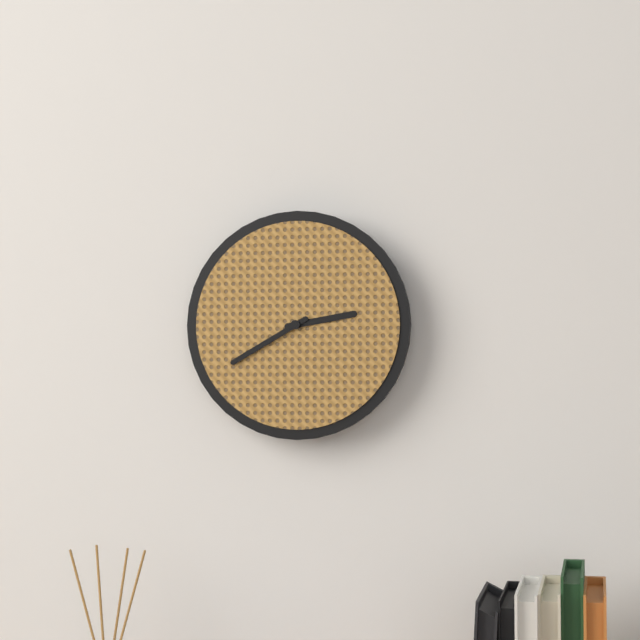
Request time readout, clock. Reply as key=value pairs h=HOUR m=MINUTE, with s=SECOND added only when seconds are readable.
h=2 m=40
